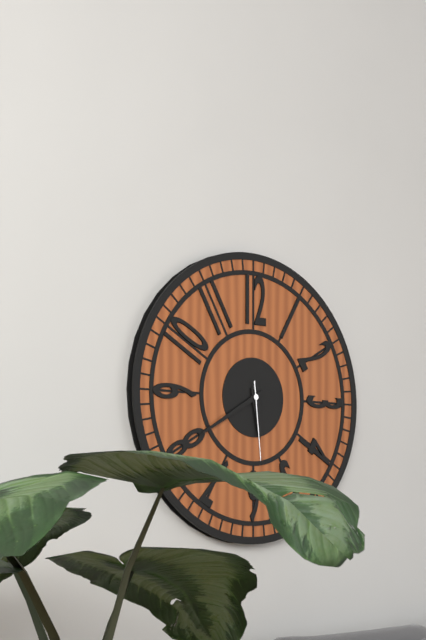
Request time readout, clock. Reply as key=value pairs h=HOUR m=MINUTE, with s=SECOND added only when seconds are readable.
h=5 m=40 s=29
